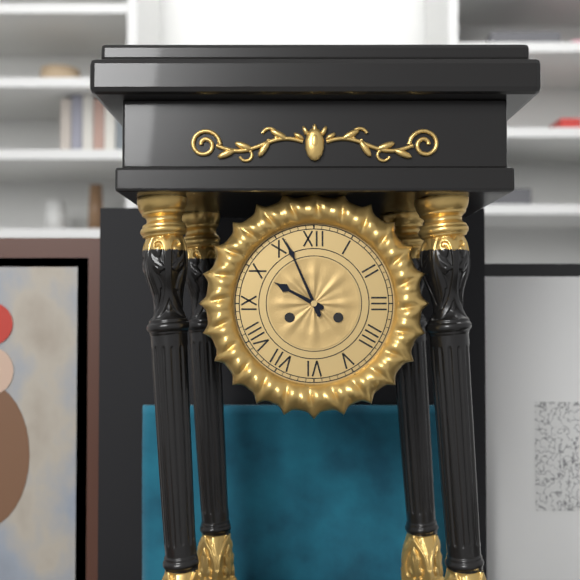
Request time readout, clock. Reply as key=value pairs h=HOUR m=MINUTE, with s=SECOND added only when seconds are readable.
h=9 m=56
